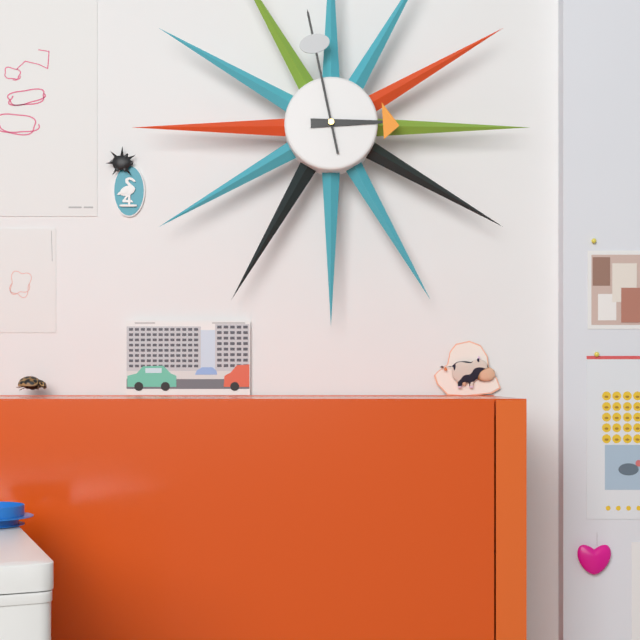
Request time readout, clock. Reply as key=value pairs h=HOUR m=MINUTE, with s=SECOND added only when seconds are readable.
h=2 m=58
